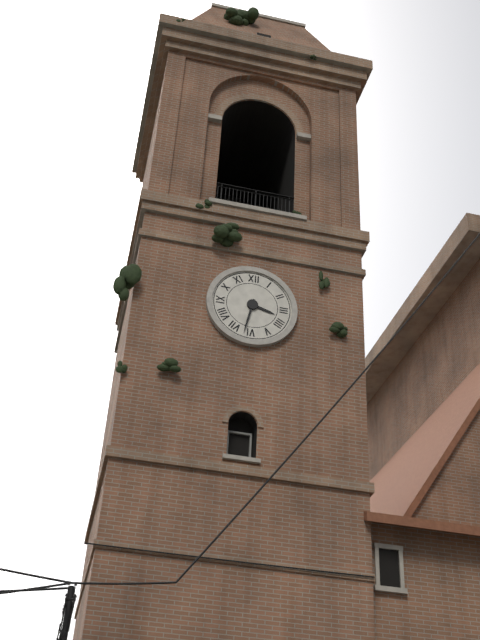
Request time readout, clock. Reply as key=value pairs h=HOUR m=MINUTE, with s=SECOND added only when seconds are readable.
h=3 m=32
